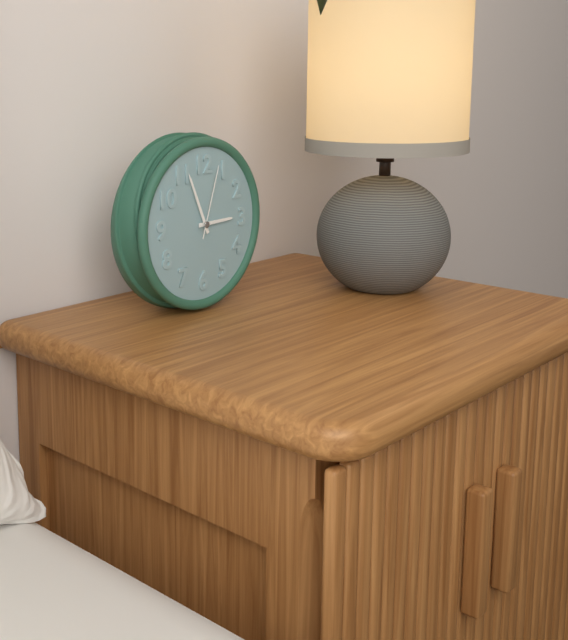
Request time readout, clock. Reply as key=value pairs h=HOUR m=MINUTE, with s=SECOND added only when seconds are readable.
h=2 m=56 s=3
